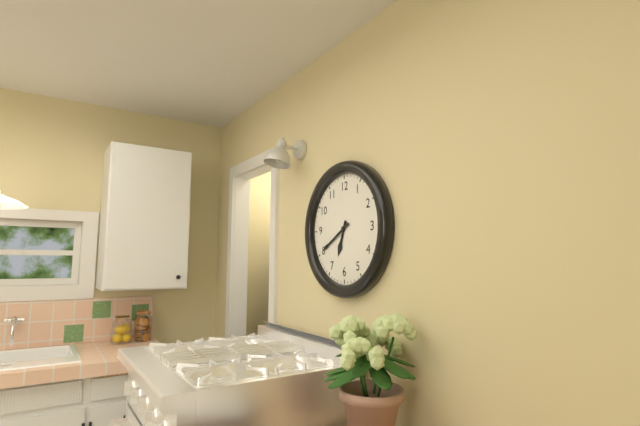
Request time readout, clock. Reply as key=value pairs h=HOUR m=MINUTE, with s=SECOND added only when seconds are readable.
h=6 m=40
